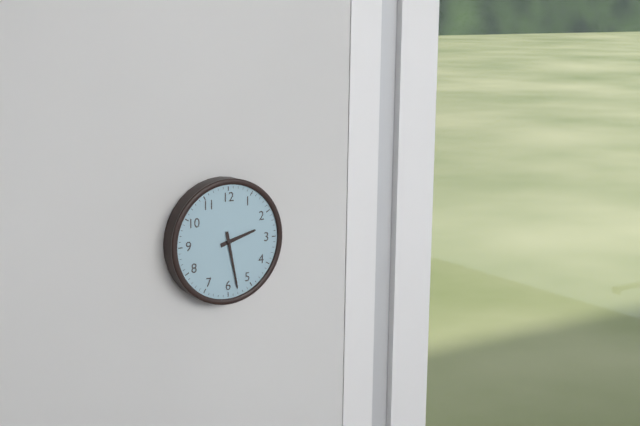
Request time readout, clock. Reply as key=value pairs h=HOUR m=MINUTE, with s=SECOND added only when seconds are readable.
h=2 m=28
